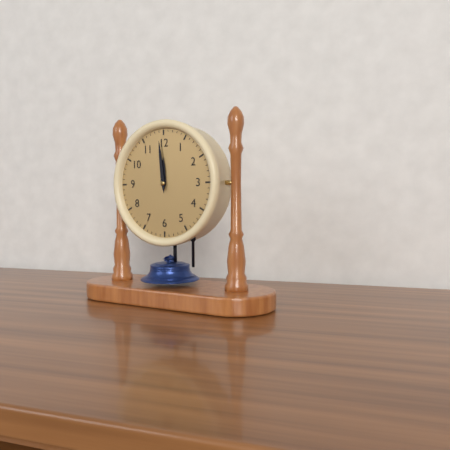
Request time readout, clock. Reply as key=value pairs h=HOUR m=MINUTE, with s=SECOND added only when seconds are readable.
h=11 m=59
